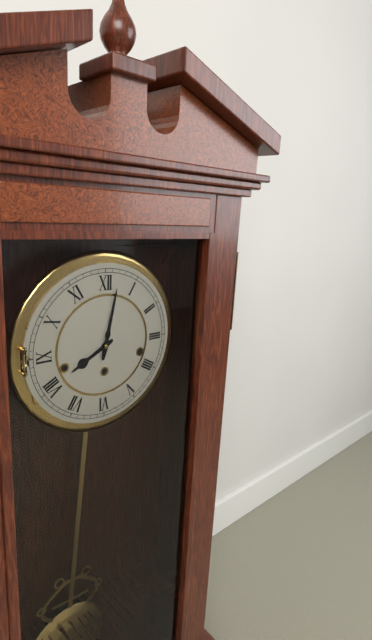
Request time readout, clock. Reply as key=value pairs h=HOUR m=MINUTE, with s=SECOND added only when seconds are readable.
h=8 m=2
